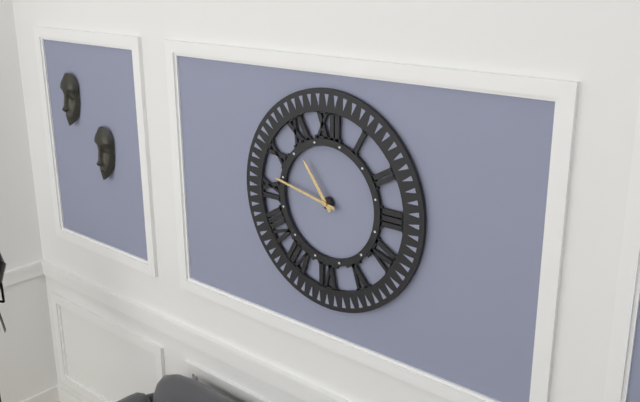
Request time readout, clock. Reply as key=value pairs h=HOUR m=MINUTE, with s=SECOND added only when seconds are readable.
h=10 m=47
